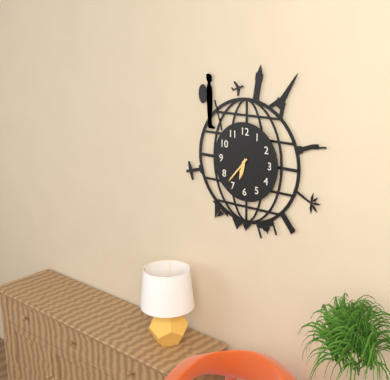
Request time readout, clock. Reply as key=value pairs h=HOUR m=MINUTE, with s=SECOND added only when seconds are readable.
h=6 m=37
